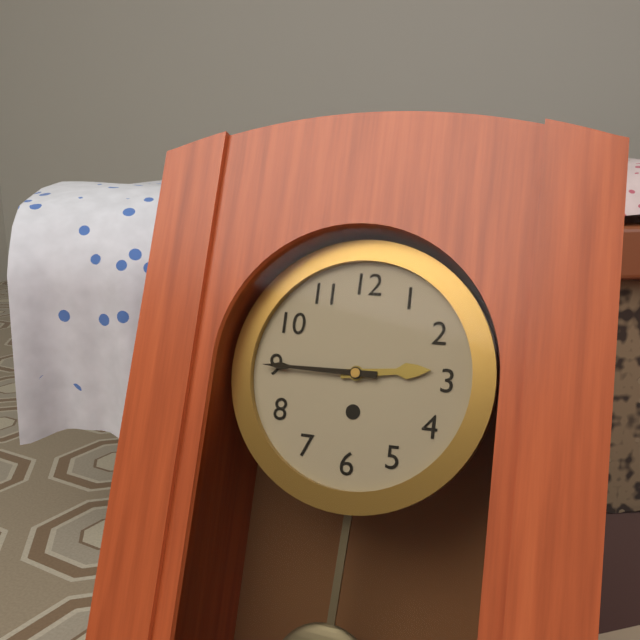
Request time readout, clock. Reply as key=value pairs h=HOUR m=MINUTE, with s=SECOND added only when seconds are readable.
h=2 m=45
